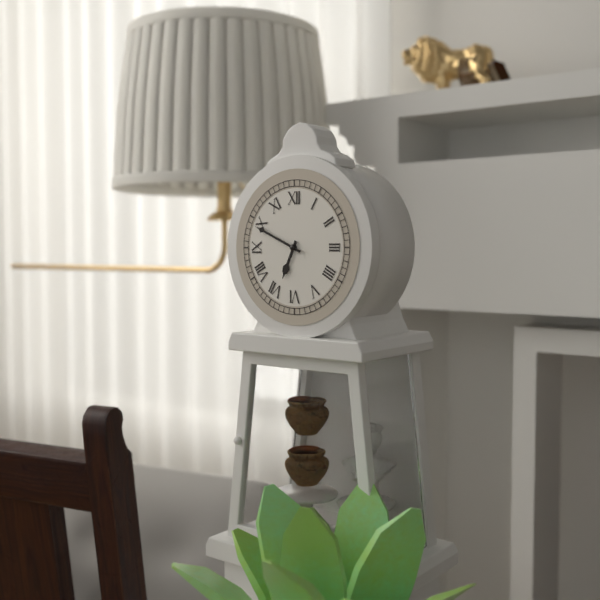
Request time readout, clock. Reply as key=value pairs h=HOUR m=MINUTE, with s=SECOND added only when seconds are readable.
h=6 m=49
